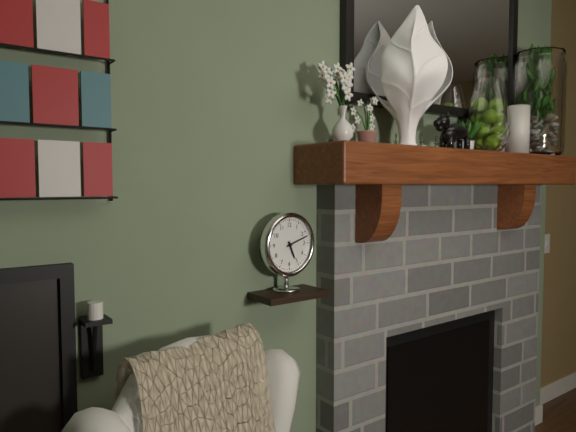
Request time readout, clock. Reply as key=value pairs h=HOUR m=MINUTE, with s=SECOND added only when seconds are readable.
h=5 m=12
